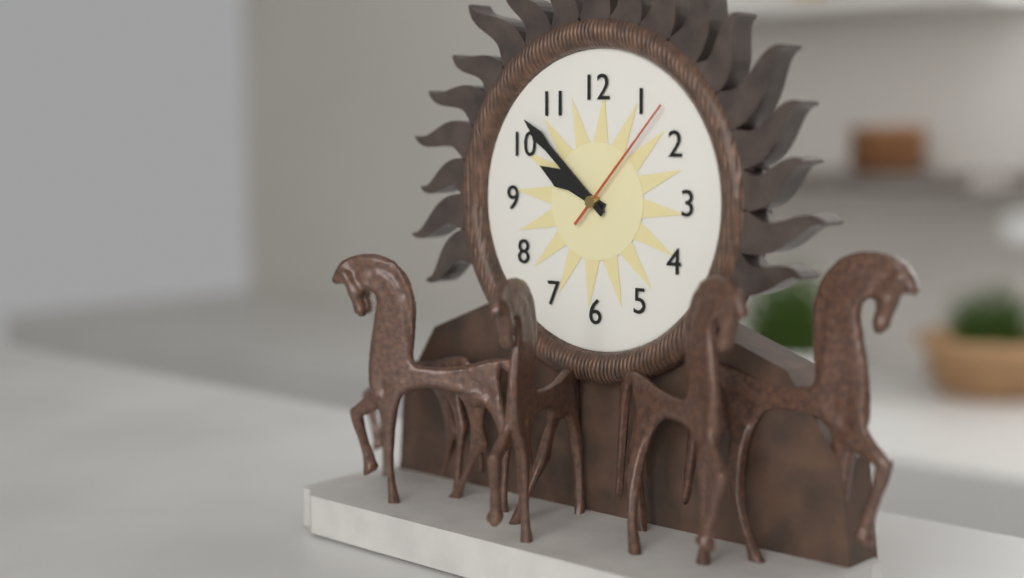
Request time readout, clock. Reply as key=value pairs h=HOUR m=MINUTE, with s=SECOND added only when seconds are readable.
h=9 m=52 s=7
